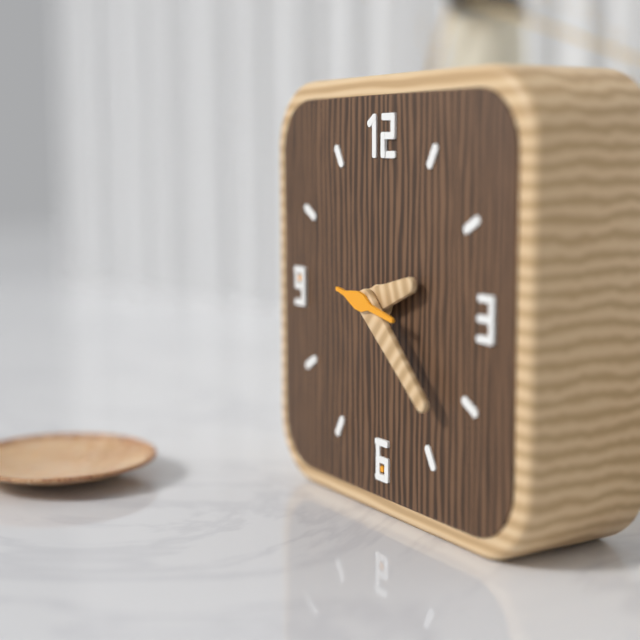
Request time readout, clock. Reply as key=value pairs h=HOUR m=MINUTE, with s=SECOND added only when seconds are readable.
h=2 m=22
